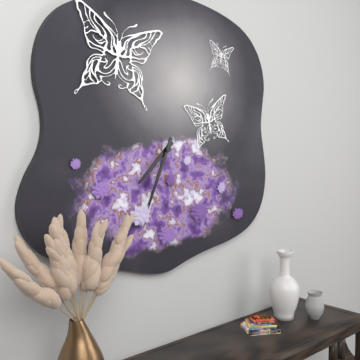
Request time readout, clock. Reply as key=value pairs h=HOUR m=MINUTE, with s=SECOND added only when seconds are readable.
h=7 m=34
